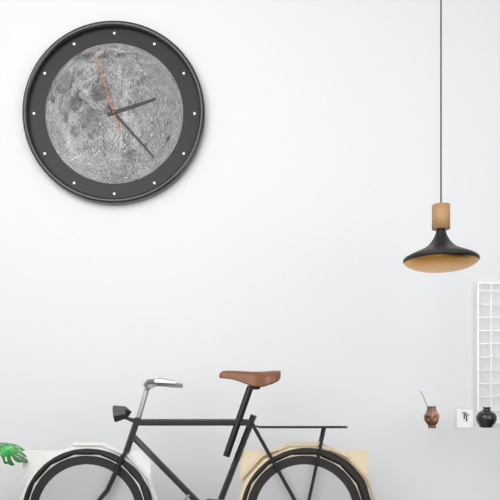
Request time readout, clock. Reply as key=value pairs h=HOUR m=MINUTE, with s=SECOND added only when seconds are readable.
h=2 m=23 s=57
